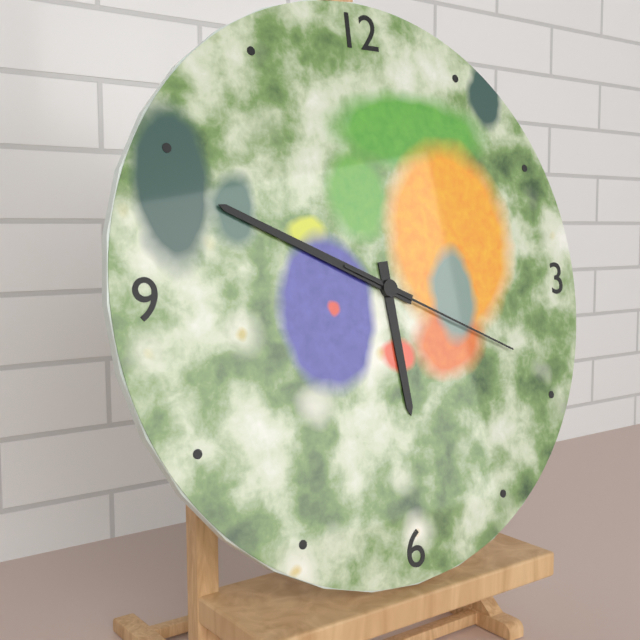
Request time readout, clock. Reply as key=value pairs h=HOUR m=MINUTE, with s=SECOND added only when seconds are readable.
h=5 m=49 s=19
